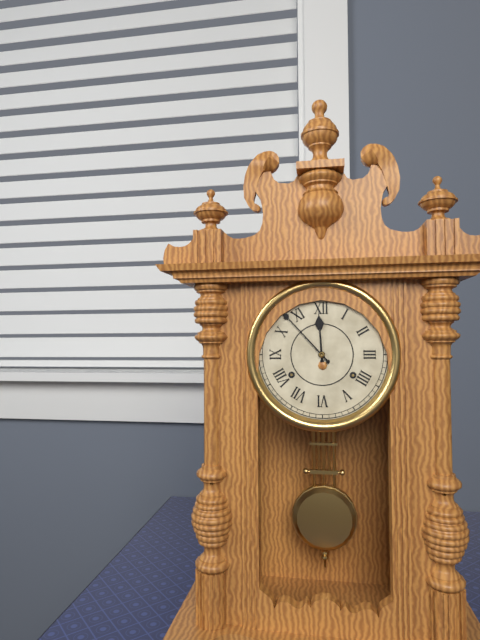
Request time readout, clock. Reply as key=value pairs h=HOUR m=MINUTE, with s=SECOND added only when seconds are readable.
h=11 m=53
